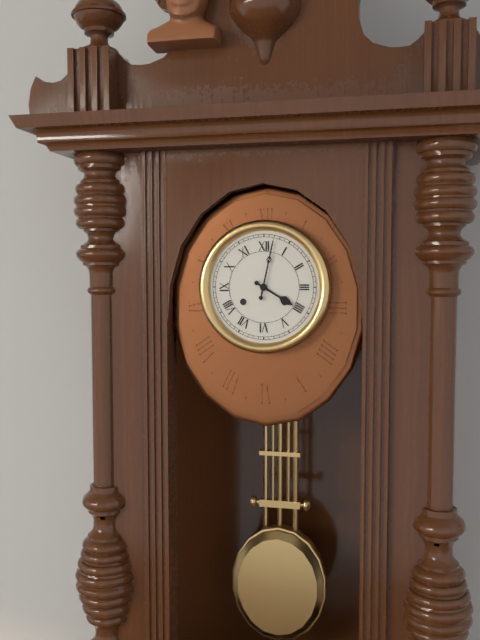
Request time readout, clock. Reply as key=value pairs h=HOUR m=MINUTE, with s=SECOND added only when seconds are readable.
h=4 m=2
